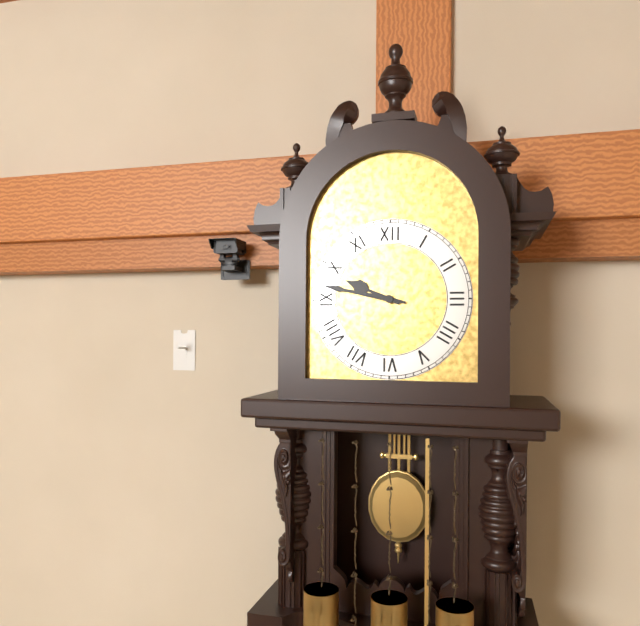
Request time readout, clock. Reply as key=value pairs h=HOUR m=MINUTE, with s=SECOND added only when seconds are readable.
h=9 m=47
